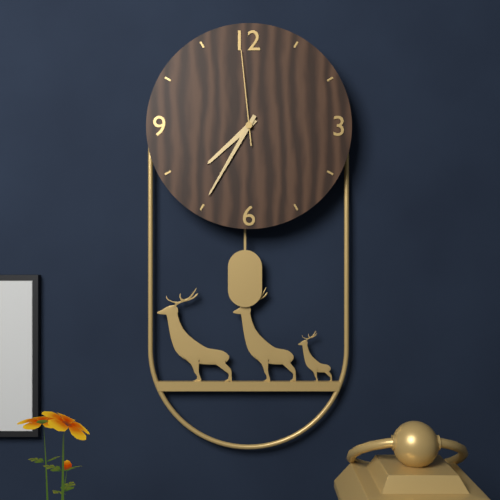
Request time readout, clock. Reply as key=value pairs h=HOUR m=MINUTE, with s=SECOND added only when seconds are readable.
h=7 m=35 s=59
